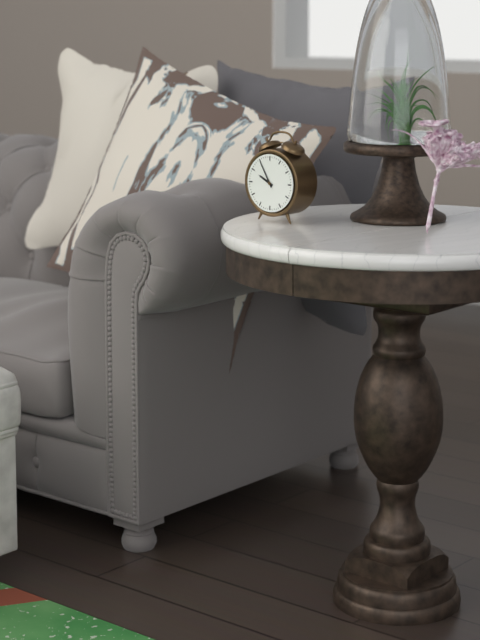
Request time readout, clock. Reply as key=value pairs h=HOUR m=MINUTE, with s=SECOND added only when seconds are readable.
h=9 m=55
